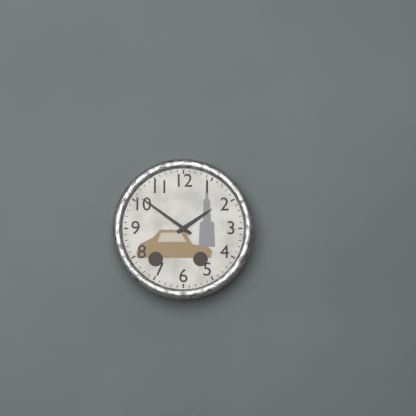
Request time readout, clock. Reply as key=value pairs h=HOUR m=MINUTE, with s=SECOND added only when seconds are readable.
h=1 m=51
